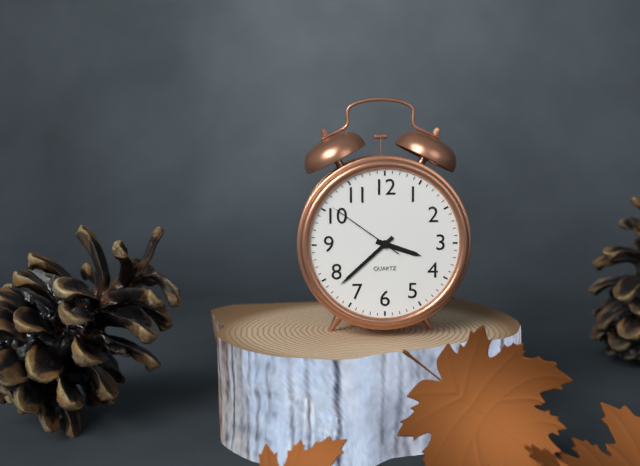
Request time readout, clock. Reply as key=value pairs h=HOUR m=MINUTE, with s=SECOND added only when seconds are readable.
h=3 m=38 s=51
